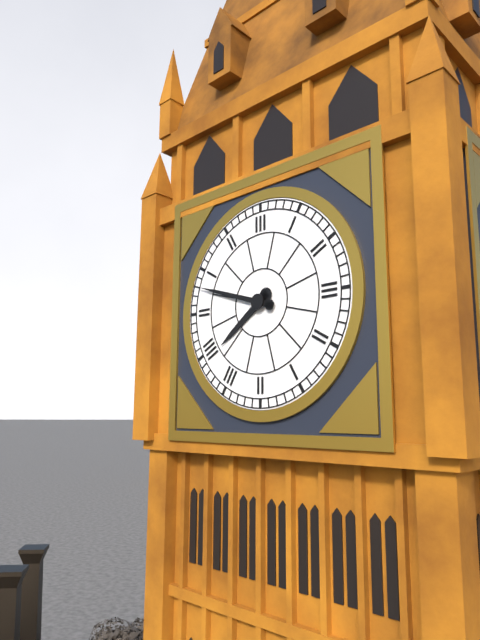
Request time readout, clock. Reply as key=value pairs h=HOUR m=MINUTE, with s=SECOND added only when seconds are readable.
h=7 m=48
